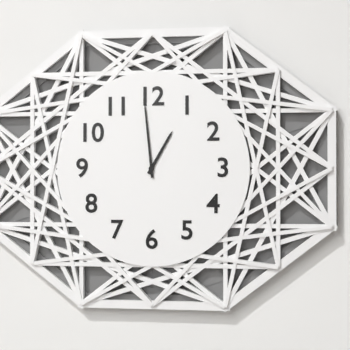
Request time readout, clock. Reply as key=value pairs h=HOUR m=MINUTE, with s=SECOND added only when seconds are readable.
h=12 m=59
